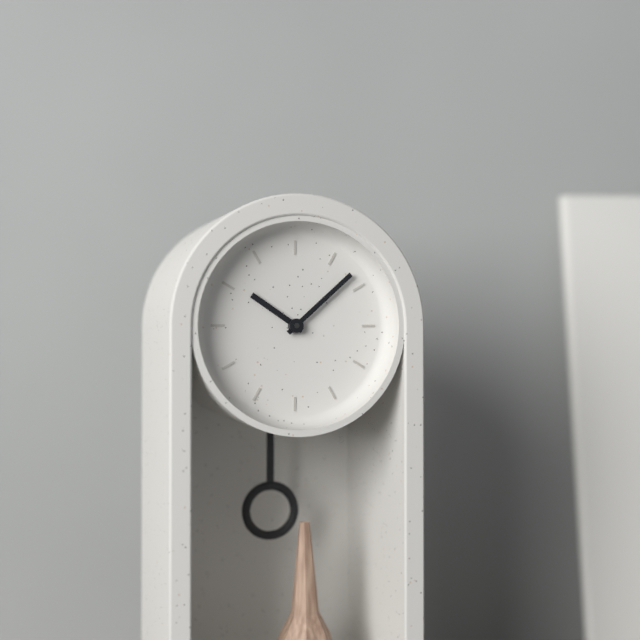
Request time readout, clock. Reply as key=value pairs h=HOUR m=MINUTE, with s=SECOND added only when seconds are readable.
h=10 m=8
